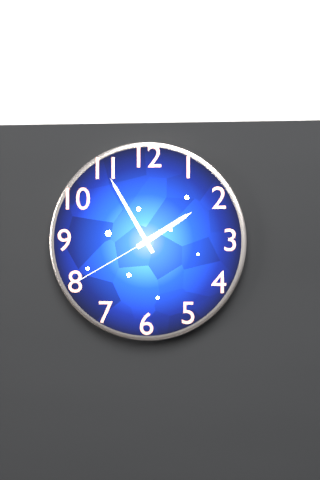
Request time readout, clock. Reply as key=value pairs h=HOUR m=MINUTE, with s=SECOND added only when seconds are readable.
h=1 m=55 s=40
